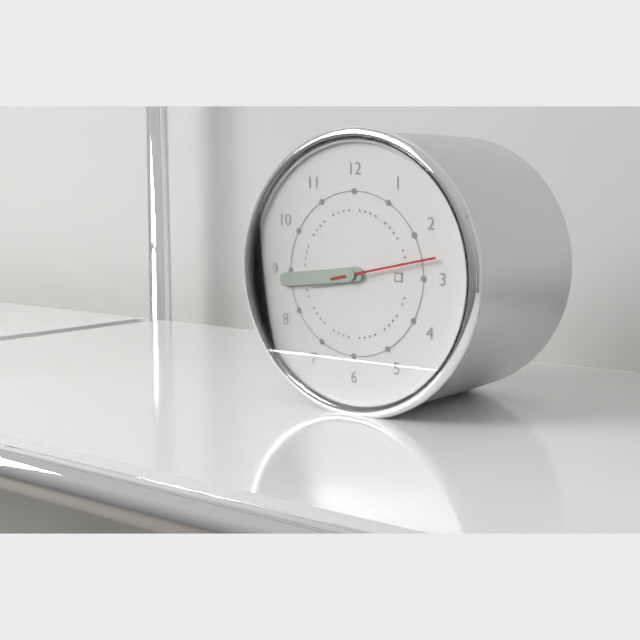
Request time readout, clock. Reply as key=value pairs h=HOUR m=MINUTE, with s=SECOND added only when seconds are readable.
h=8 m=44 s=13
